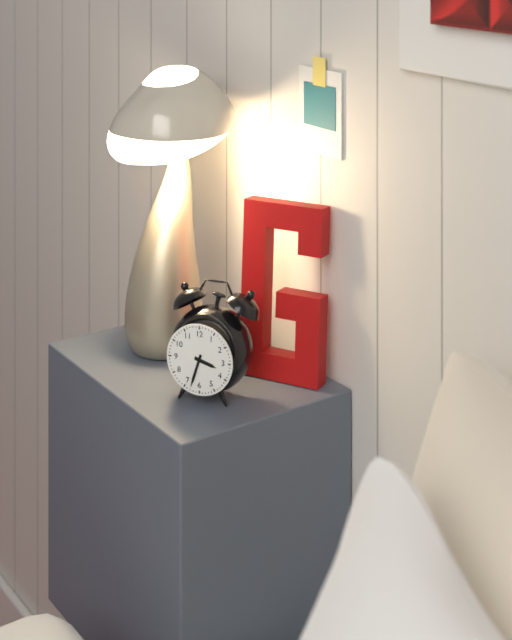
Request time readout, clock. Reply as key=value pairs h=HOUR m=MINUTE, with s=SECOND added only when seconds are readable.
h=3 m=33
